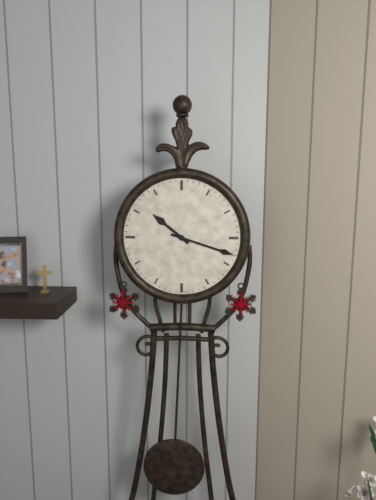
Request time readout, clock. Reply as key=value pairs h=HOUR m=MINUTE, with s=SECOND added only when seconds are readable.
h=10 m=18
